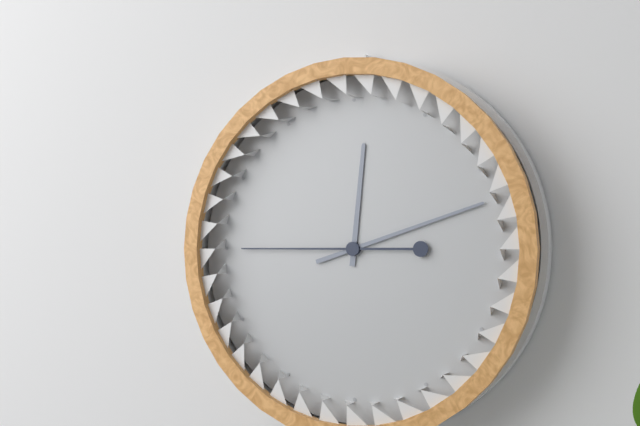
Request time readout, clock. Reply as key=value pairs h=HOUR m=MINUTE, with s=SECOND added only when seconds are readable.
h=12 m=12 s=45
